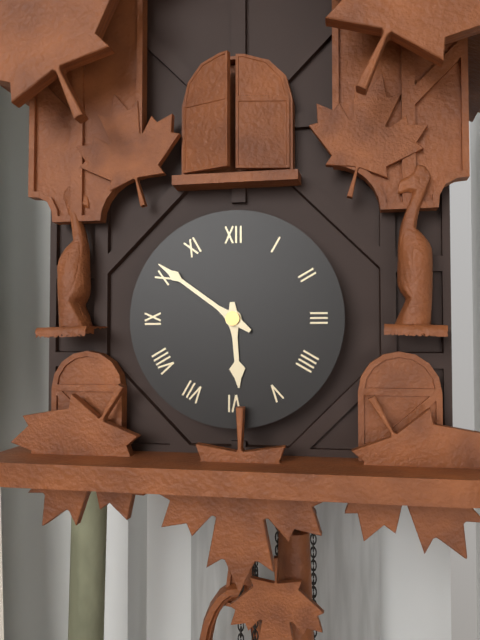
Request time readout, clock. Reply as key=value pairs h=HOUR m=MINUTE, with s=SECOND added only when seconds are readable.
h=5 m=51
